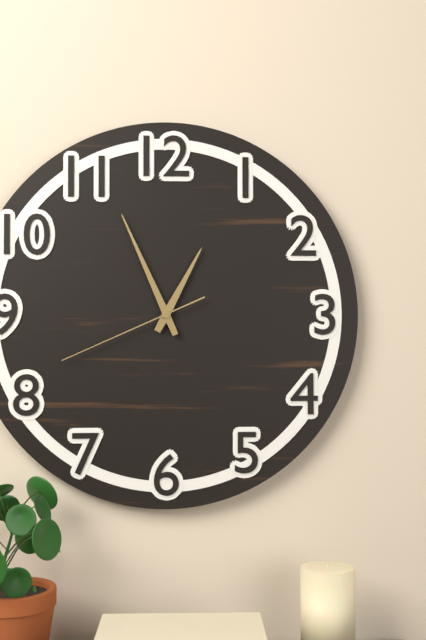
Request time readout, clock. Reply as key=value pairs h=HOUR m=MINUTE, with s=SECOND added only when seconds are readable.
h=12 m=56 s=41
